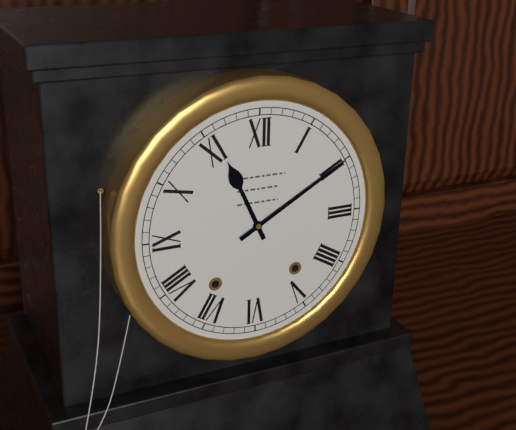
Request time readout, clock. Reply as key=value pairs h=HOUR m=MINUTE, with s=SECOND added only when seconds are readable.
h=11 m=10
